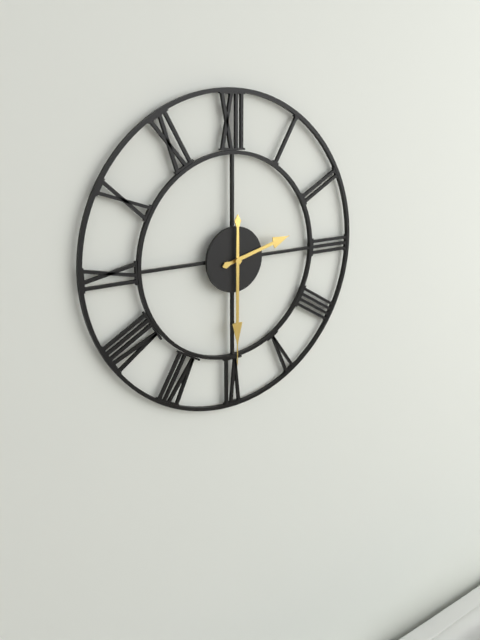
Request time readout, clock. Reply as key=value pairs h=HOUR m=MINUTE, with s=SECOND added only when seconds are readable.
h=2 m=30
